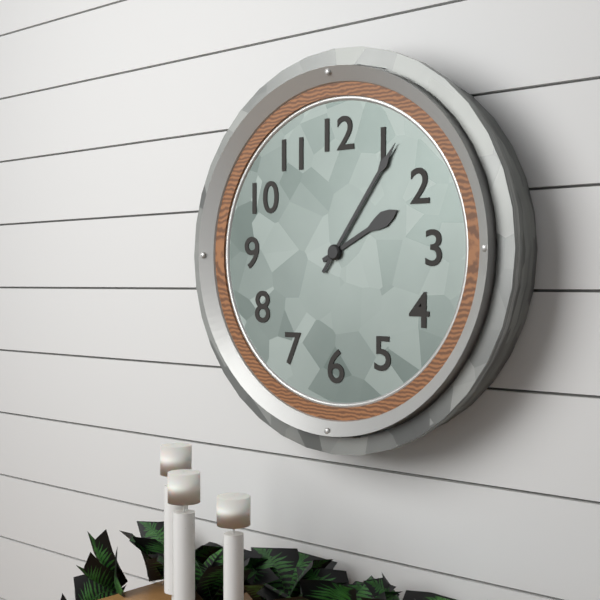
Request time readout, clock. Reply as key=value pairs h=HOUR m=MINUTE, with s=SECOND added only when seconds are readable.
h=2 m=6
